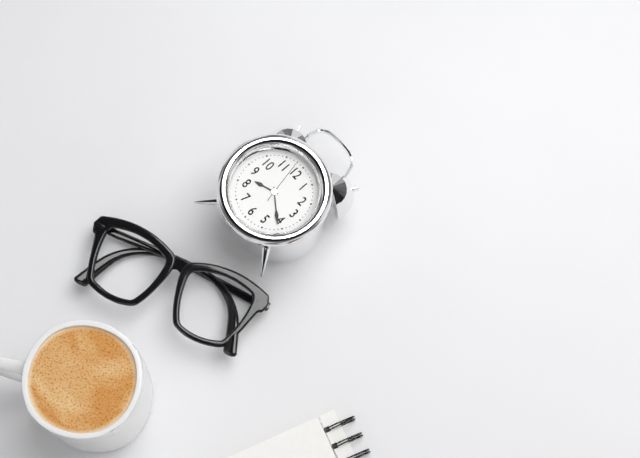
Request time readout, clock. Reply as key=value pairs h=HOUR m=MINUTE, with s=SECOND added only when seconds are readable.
h=8 m=21
